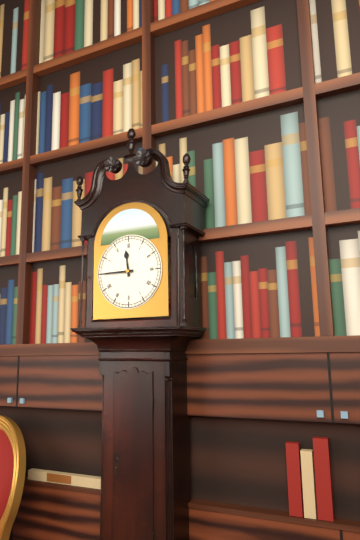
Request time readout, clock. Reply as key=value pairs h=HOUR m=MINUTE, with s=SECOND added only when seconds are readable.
h=11 m=45
